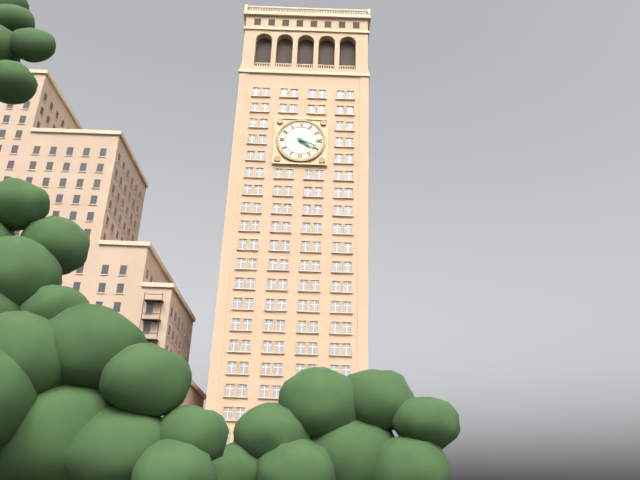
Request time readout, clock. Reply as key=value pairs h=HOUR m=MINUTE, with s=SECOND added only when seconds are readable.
h=4 m=19
